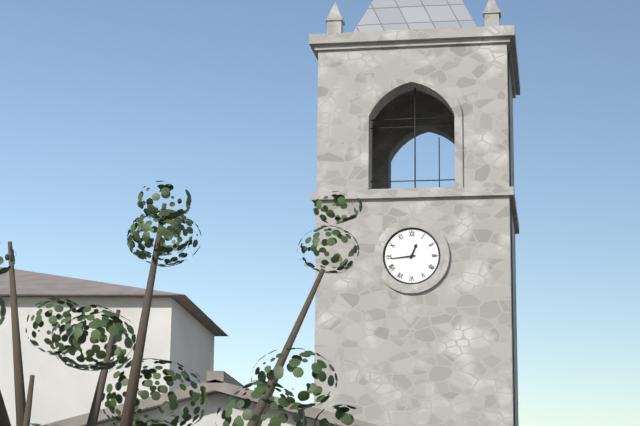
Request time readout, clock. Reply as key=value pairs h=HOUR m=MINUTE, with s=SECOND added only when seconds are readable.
h=12 m=44
